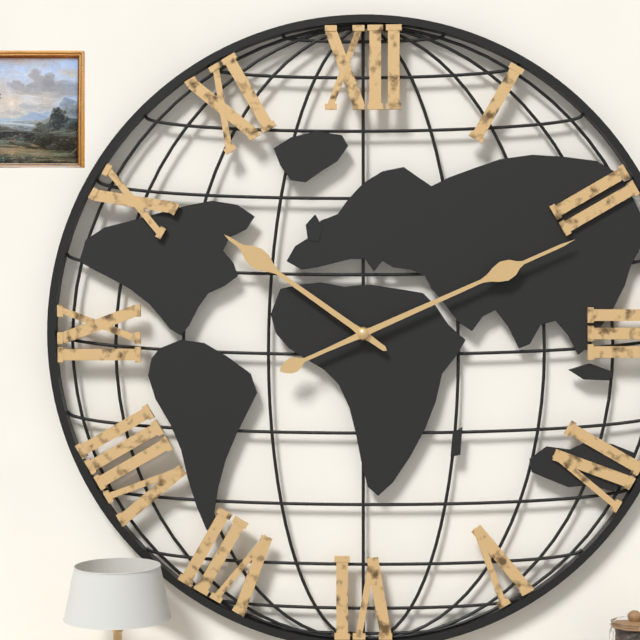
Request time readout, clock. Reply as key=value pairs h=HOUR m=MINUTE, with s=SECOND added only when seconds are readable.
h=10 m=11
